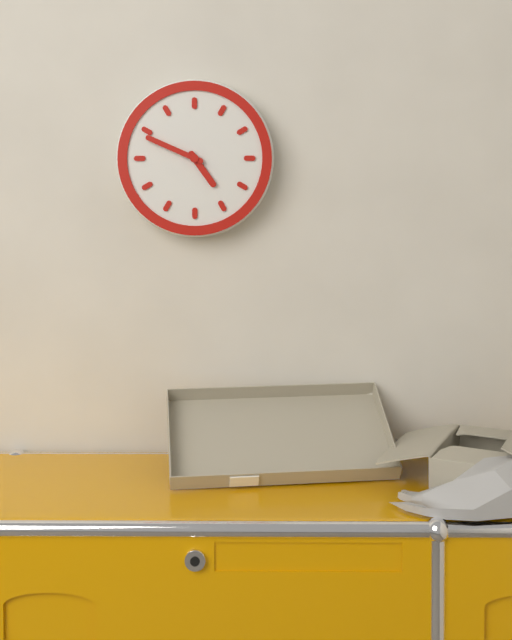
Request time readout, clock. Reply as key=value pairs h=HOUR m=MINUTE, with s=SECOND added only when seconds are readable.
h=4 m=49
